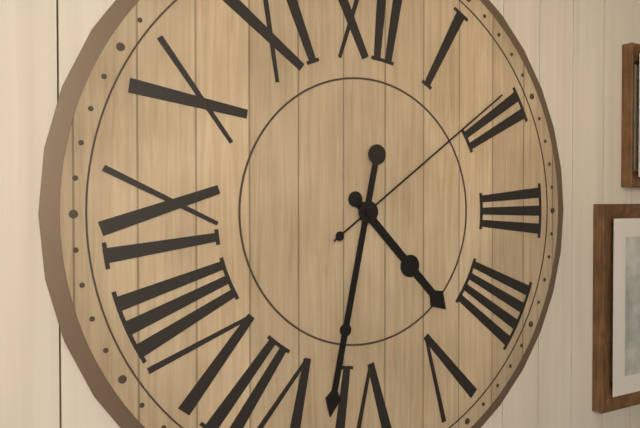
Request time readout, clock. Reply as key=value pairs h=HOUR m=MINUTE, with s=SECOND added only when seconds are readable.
h=4 m=32 s=9
